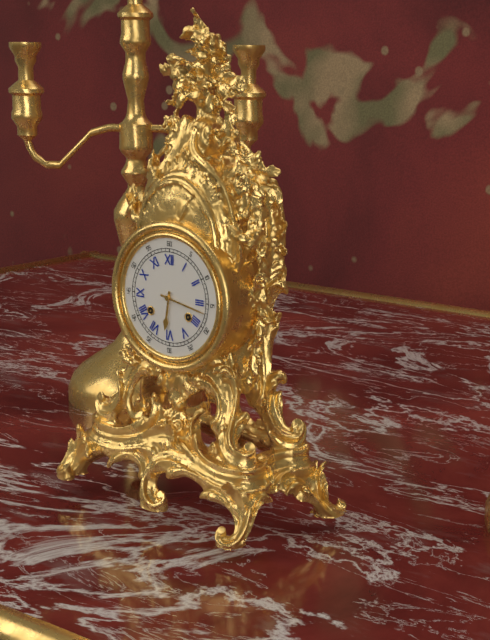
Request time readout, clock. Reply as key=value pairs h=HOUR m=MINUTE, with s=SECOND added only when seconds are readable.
h=6 m=17
